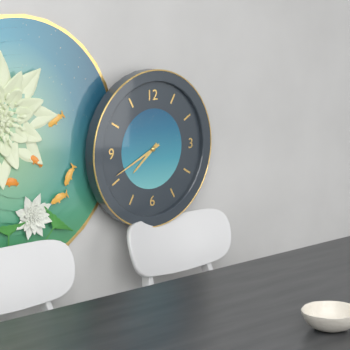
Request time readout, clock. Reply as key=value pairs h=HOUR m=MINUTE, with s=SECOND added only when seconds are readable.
h=7 m=41
